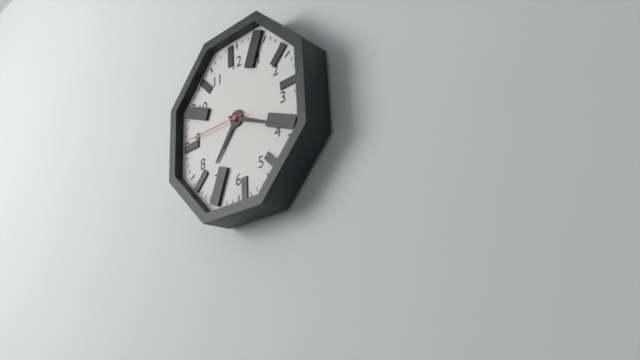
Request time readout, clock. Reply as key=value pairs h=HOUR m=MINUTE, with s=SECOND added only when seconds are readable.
h=7 m=19 s=45
